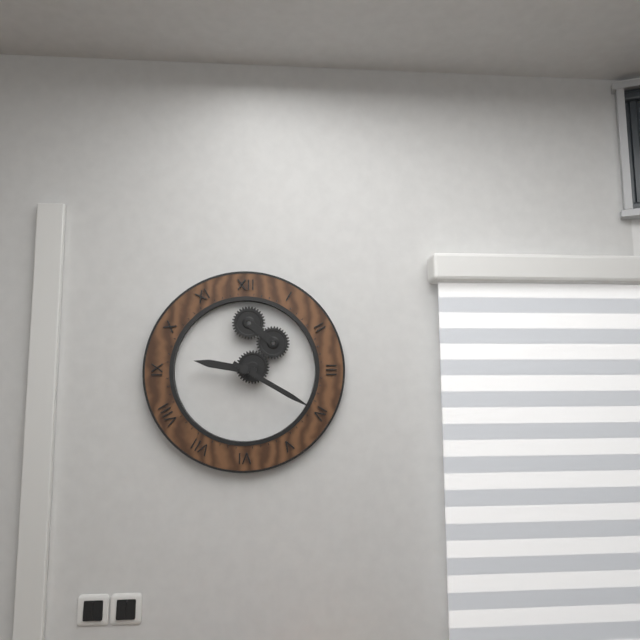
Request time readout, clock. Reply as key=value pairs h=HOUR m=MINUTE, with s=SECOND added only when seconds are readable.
h=9 m=20
